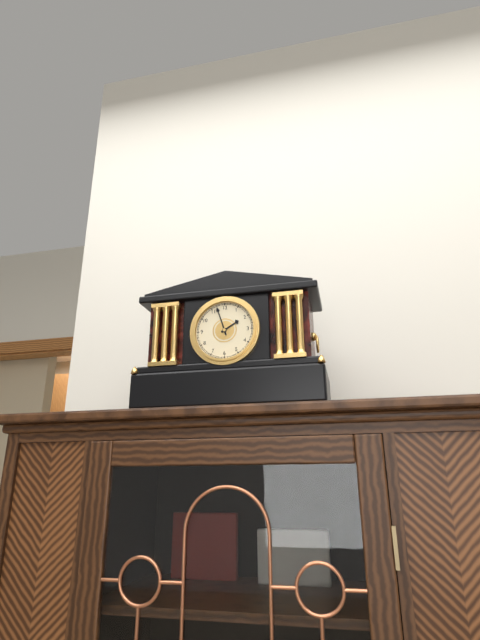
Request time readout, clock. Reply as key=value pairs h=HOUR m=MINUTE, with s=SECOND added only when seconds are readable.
h=1 m=57
